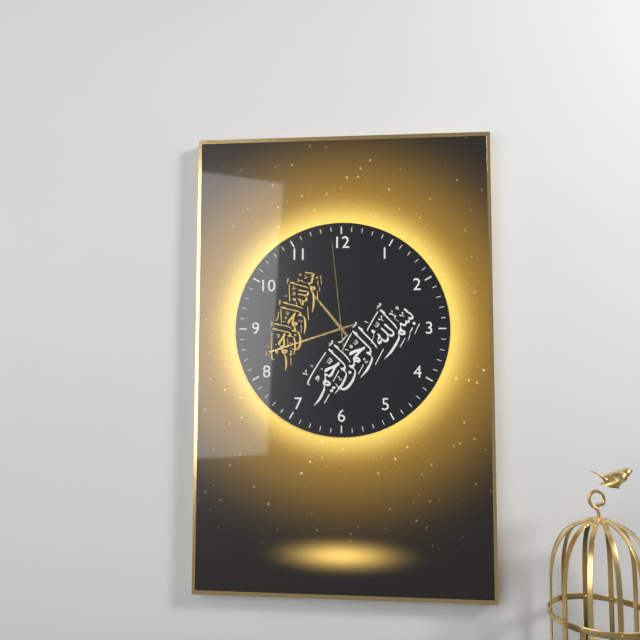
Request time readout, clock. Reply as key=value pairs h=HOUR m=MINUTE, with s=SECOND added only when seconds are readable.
h=10 m=42 s=59
